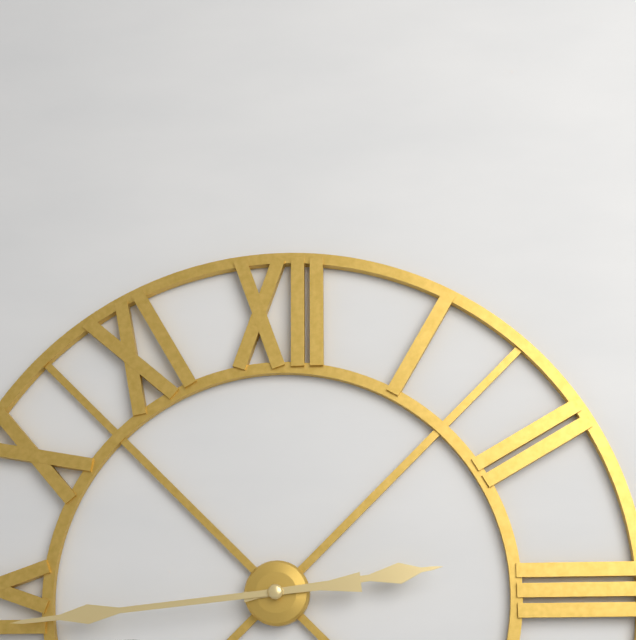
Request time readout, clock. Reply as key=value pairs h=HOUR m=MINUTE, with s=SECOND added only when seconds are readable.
h=2 m=44
